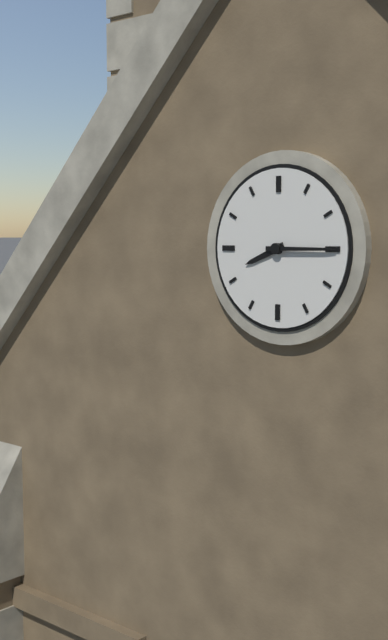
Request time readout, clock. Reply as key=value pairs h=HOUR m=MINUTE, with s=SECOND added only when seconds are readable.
h=8 m=15
